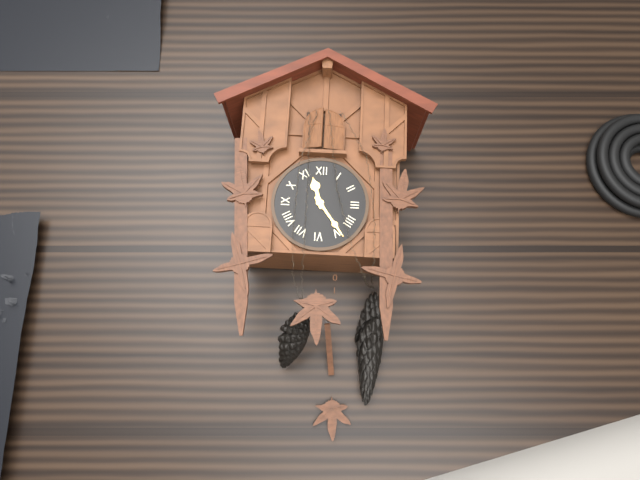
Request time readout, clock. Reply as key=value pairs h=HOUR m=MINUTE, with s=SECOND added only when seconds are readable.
h=11 m=24
